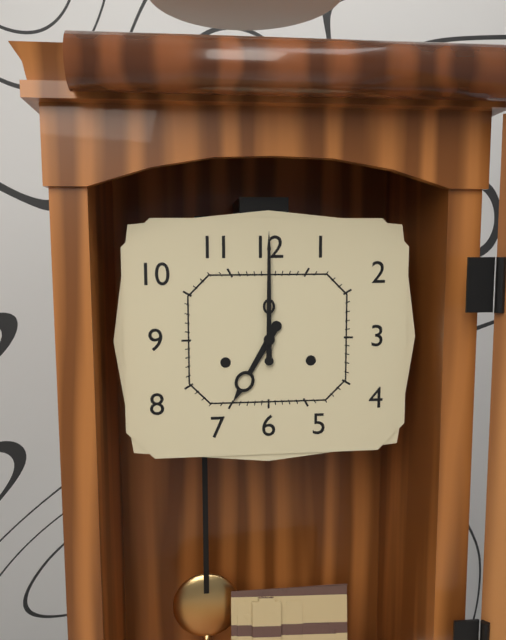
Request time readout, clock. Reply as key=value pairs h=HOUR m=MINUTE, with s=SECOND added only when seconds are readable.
h=7 m=0
